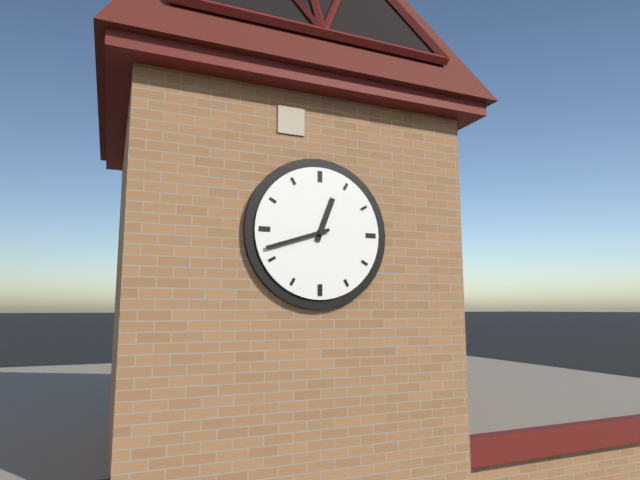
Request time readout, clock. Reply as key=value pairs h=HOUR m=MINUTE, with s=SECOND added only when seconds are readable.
h=12 m=42
